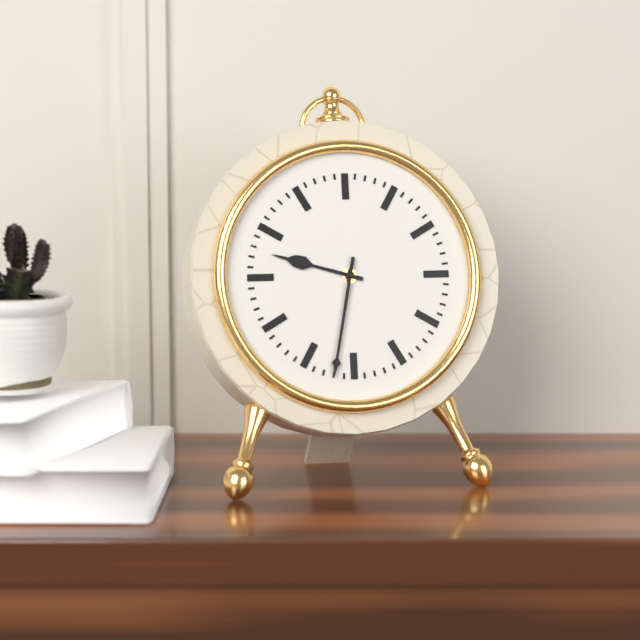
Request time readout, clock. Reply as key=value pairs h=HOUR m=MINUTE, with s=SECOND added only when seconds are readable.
h=9 m=32
